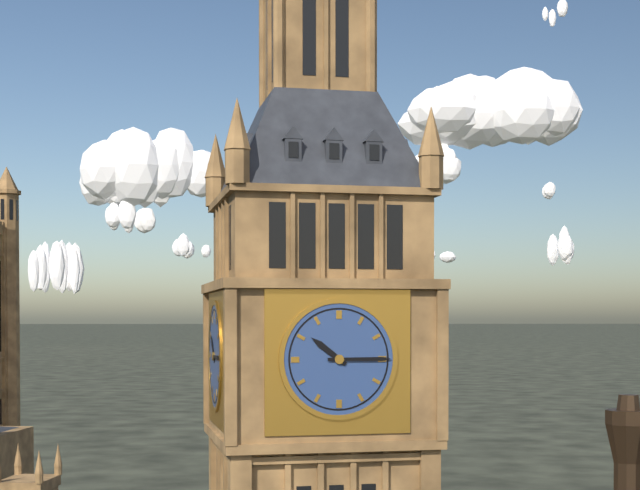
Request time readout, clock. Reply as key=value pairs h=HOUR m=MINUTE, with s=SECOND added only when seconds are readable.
h=10 m=15
